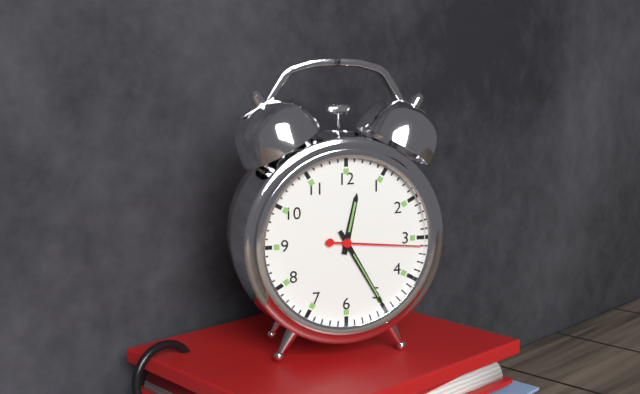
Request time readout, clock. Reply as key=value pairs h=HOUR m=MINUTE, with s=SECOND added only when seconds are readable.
h=12 m=25 s=16
